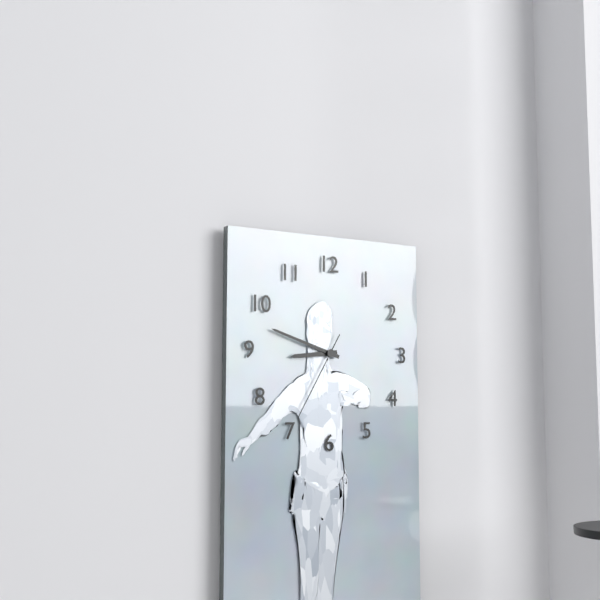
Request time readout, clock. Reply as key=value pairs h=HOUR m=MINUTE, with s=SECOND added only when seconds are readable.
h=8 m=48 s=35
